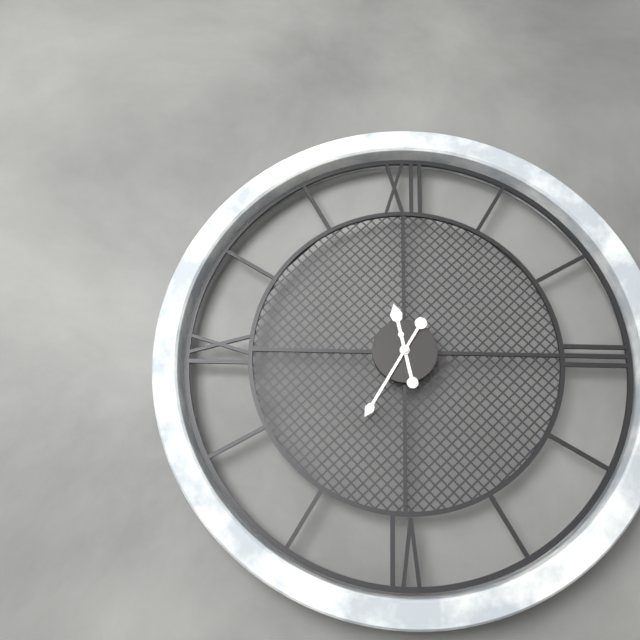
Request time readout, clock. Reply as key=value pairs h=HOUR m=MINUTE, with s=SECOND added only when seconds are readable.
h=11 m=35
